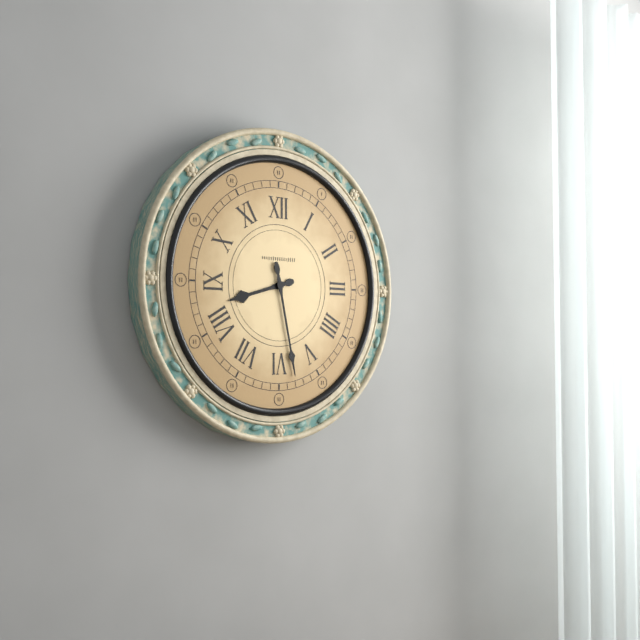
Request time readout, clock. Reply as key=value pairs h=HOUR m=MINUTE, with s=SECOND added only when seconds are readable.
h=8 m=28
